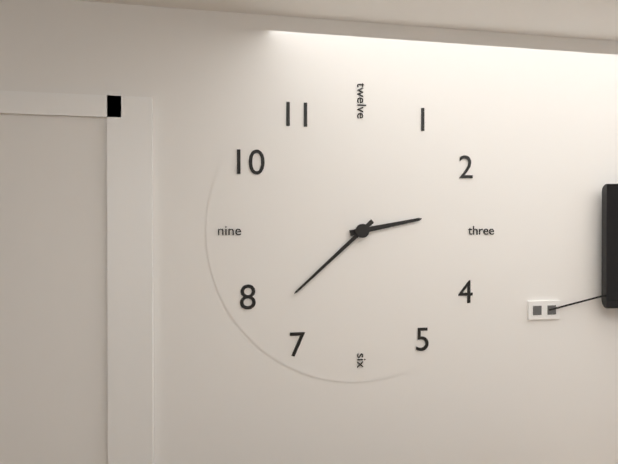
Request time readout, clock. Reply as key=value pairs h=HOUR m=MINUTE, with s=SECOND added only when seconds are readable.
h=2 m=38
